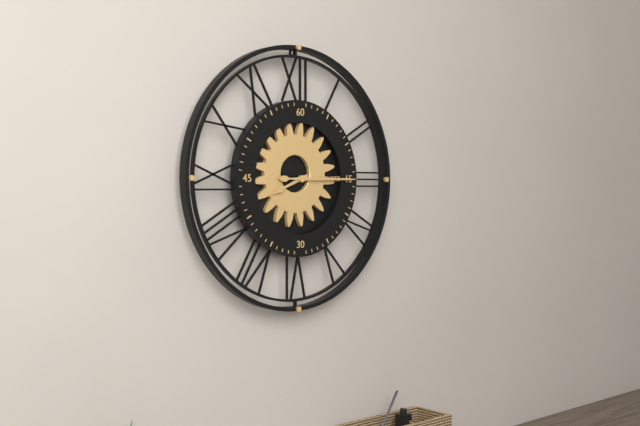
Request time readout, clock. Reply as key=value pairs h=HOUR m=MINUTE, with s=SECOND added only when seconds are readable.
h=8 m=15
